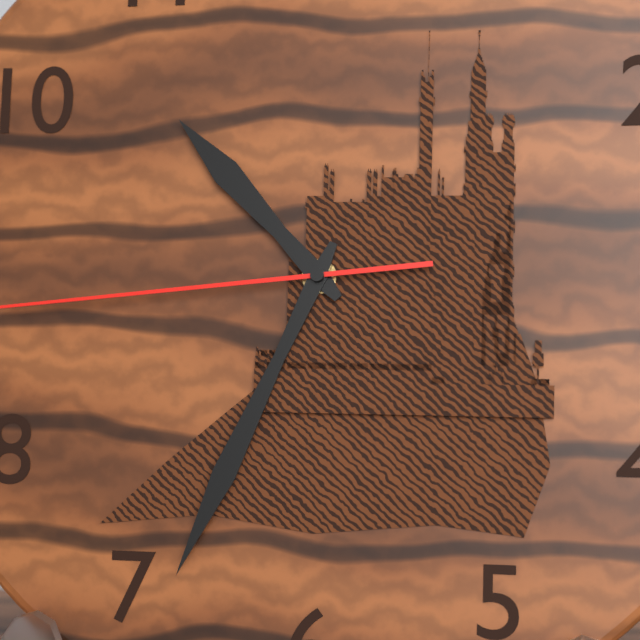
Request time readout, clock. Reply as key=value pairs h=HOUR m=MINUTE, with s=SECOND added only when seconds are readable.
h=10 m=34
